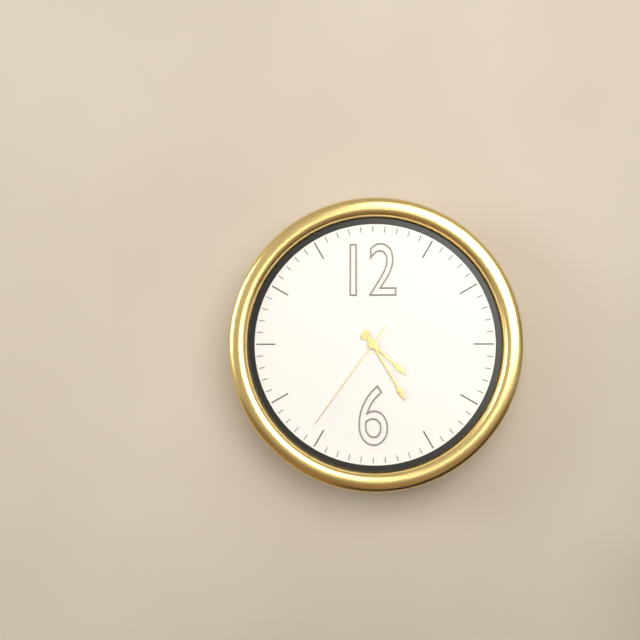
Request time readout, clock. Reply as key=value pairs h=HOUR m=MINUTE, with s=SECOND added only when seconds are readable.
h=4 m=25 s=36
